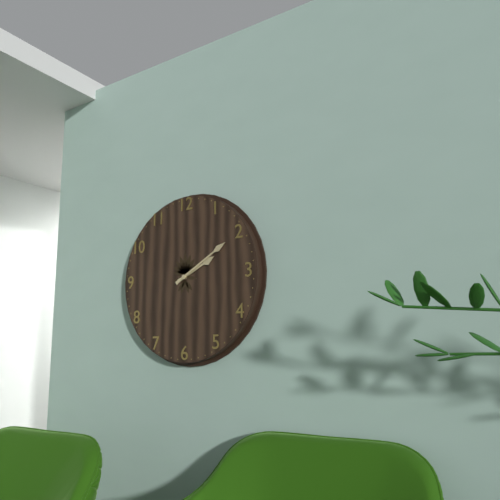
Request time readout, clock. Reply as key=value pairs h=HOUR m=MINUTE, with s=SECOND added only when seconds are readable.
h=2 m=10
